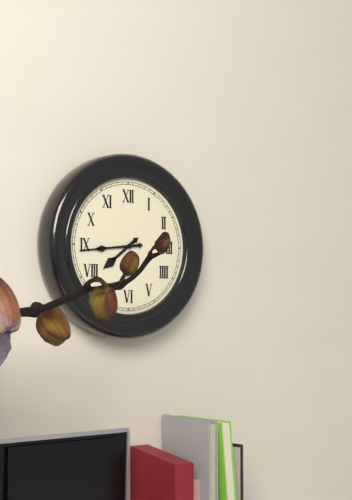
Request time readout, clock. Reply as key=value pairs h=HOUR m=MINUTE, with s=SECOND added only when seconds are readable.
h=7 m=44
